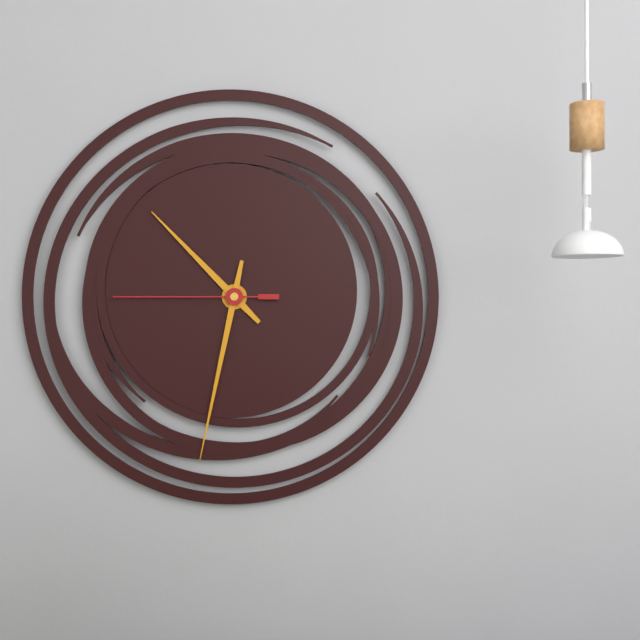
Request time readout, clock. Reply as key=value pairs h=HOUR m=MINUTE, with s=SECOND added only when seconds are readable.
h=10 m=32 s=45
